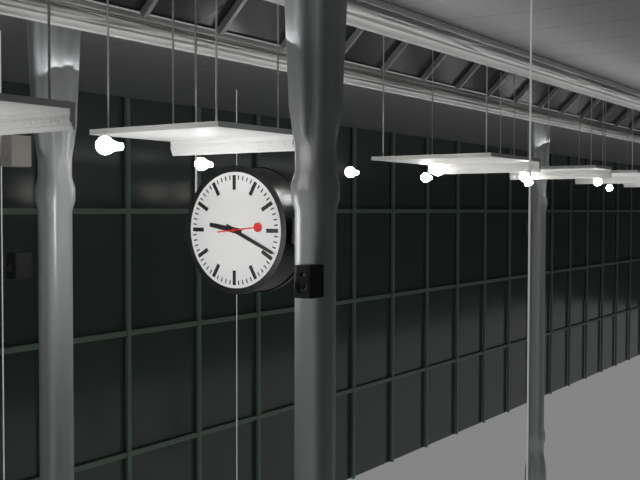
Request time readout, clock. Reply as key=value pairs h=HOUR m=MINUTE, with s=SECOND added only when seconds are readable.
h=9 m=19
